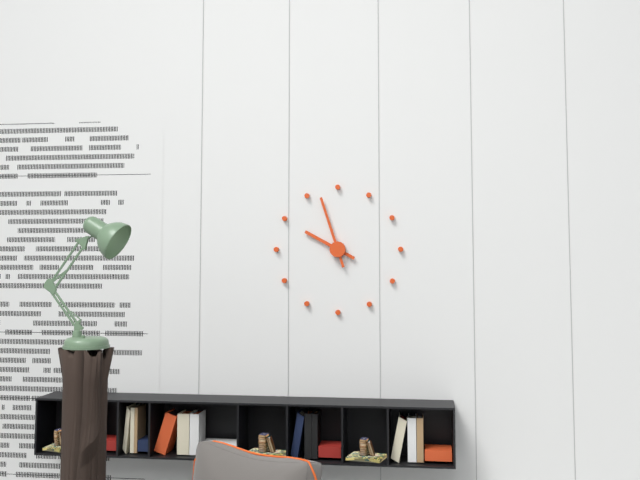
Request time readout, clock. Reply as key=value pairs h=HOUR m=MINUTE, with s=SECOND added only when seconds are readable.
h=9 m=57
